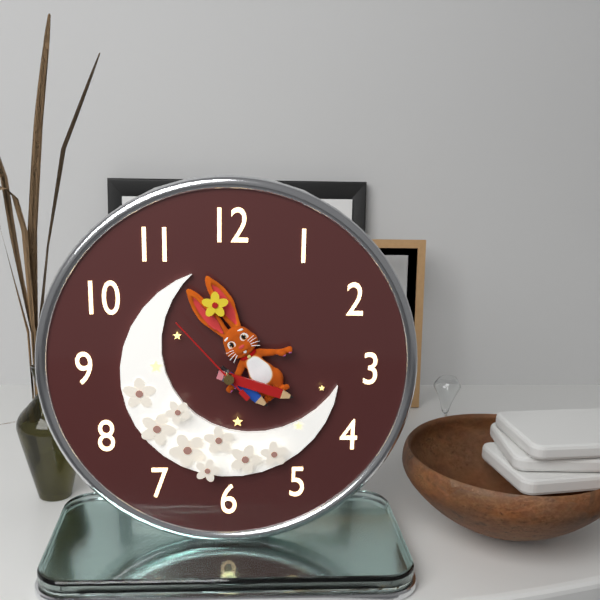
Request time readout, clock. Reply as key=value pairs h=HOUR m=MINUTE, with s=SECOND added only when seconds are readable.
h=4 m=18 s=53
